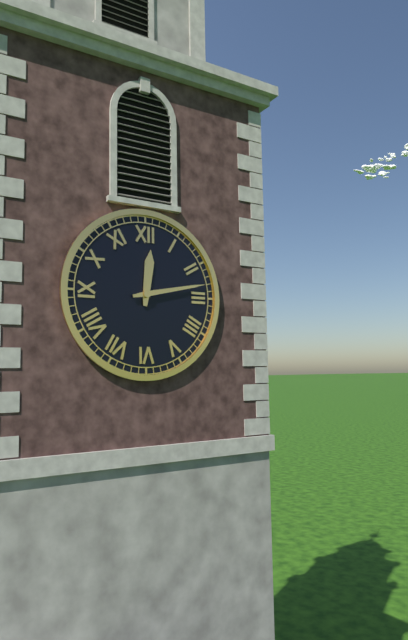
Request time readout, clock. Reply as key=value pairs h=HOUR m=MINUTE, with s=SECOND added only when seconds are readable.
h=12 m=13
